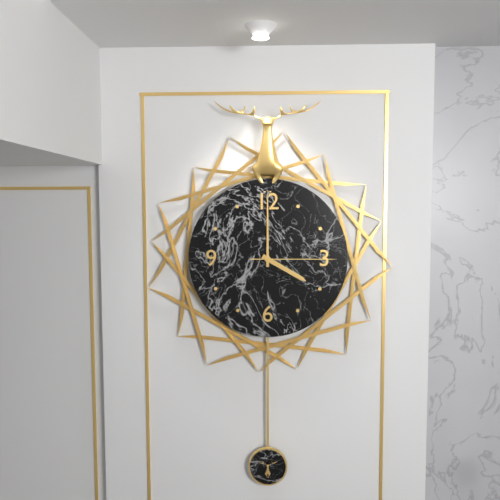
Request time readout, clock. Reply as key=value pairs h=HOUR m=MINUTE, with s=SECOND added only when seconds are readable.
h=4 m=0 s=15
